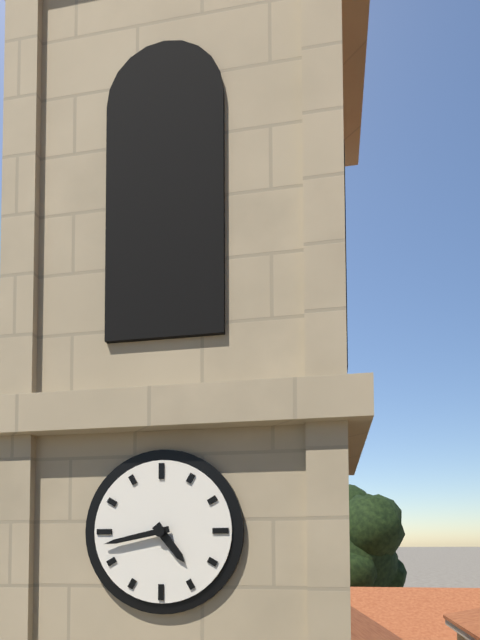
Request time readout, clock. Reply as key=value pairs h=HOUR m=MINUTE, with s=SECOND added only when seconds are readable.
h=4 m=43
